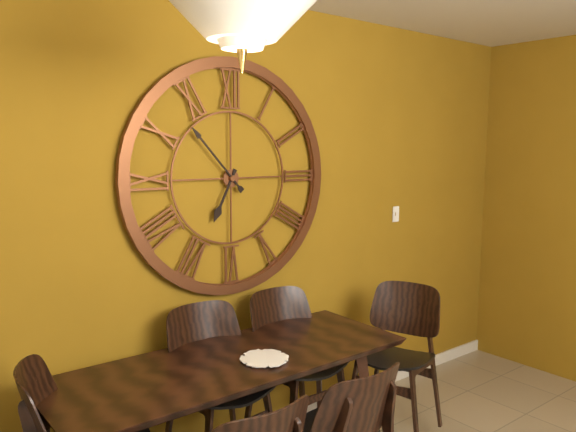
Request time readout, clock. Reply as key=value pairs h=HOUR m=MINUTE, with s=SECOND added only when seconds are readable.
h=6 m=53
